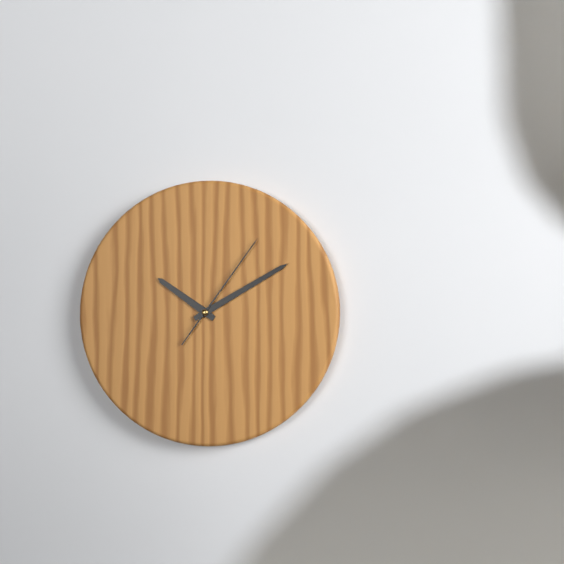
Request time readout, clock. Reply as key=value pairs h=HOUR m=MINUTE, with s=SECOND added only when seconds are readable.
h=10 m=10 s=6
